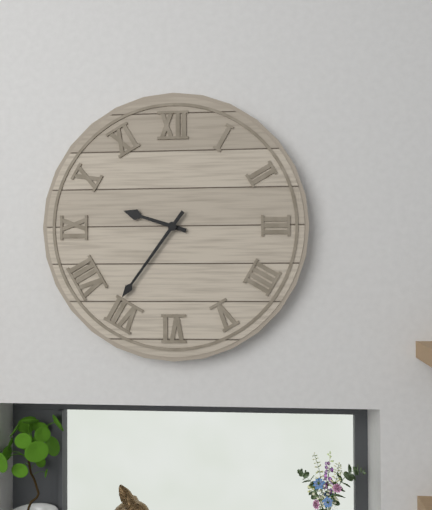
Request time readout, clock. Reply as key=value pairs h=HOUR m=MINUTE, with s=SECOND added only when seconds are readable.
h=9 m=36
